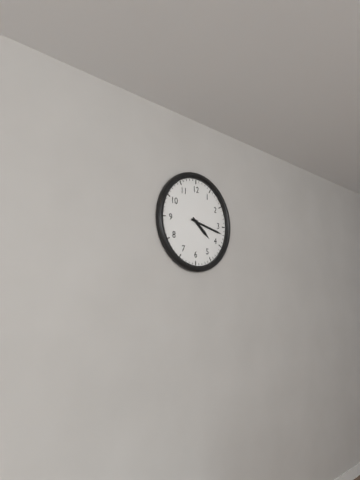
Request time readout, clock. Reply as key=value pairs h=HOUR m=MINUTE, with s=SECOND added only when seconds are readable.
h=4 m=17
